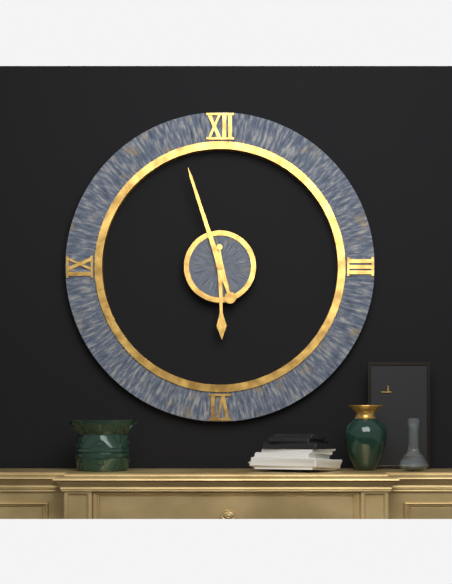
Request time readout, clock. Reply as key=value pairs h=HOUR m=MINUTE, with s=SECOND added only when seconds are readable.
h=5 m=57
